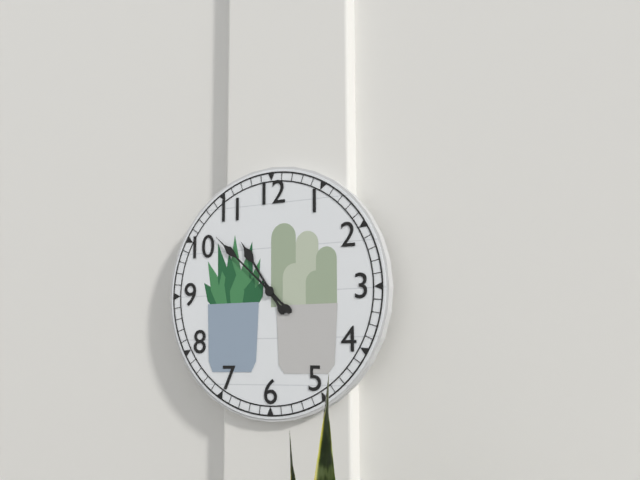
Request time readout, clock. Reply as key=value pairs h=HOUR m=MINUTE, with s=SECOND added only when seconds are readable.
h=10 m=52
